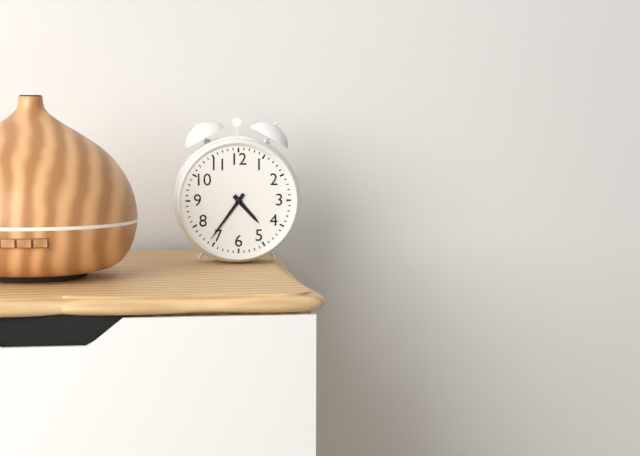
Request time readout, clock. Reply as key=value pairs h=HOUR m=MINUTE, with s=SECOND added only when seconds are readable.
h=4 m=36
